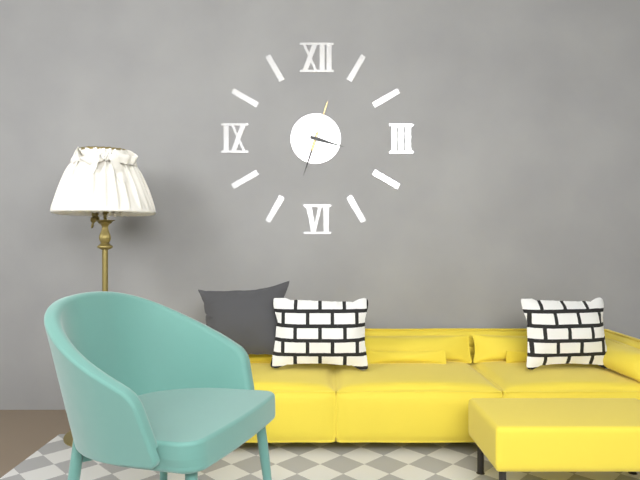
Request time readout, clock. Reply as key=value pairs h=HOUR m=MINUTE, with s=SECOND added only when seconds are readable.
h=3 m=33
